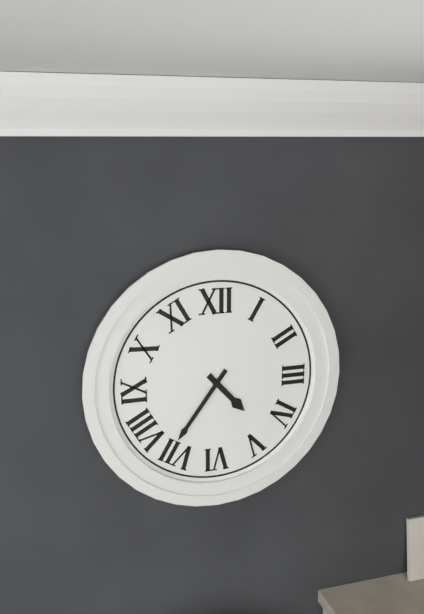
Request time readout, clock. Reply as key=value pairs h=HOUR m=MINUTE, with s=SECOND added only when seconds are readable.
h=4 m=36
